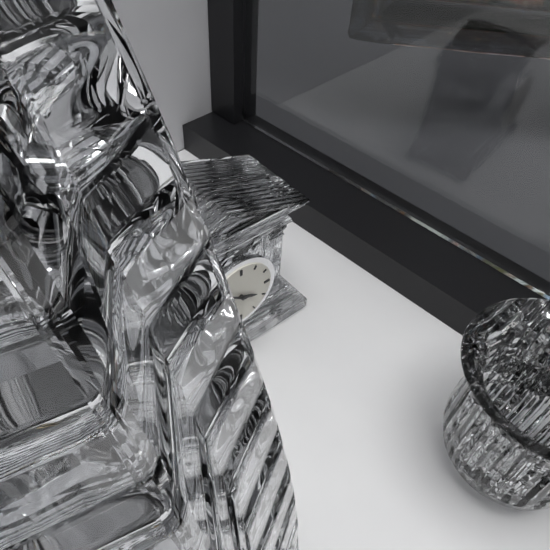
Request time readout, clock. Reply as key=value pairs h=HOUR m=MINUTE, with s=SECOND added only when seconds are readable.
h=3 m=51
